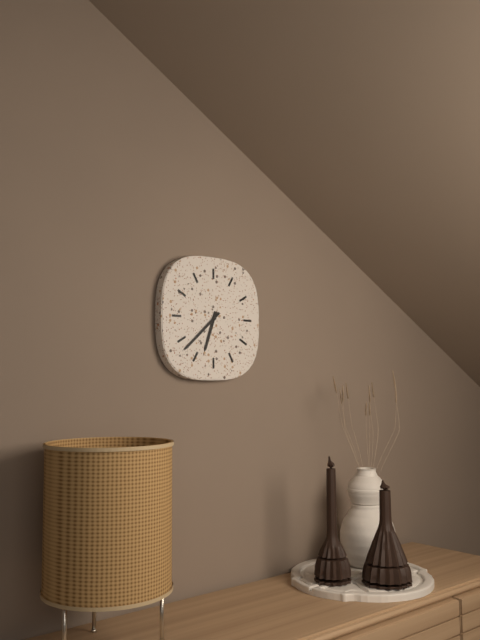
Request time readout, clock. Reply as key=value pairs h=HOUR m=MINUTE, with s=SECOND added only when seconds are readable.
h=6 m=38
